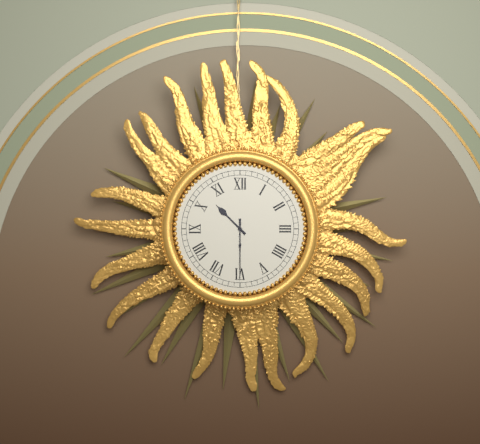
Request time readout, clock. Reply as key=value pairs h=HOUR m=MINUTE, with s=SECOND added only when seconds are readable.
h=10 m=30
